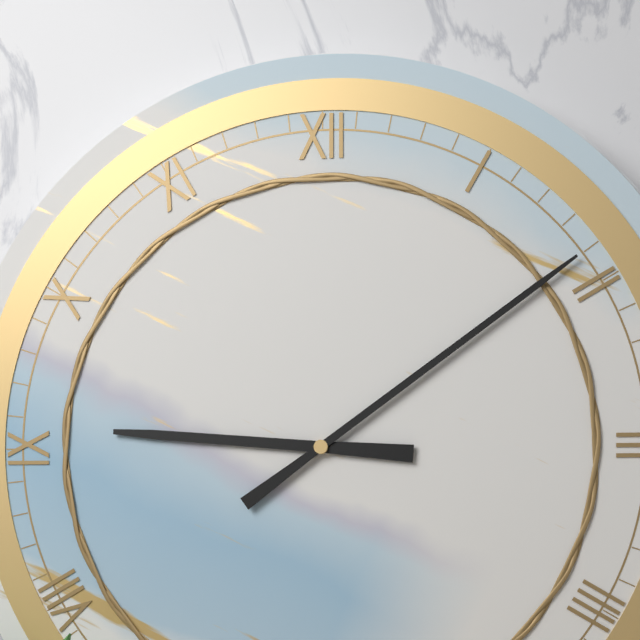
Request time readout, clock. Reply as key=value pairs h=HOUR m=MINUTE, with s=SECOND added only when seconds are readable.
h=9 m=9
